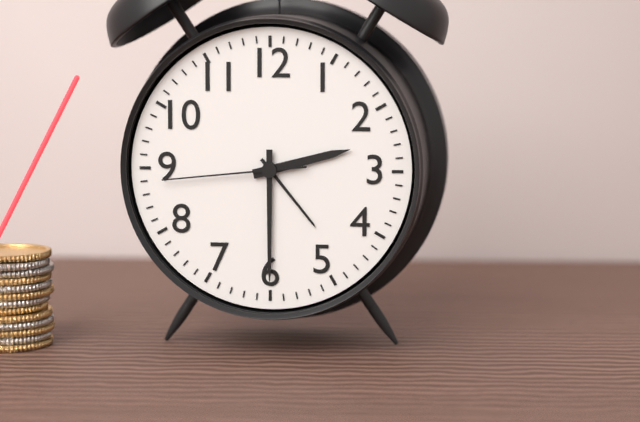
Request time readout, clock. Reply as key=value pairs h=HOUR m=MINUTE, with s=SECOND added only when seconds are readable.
h=2 m=30 s=44
